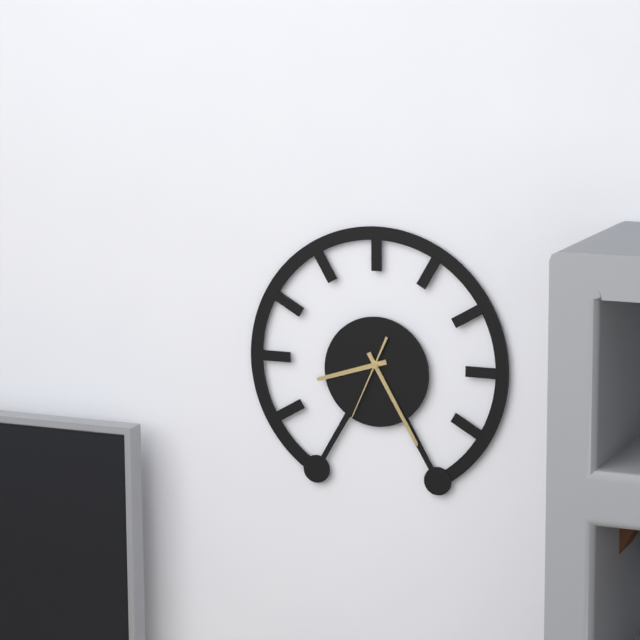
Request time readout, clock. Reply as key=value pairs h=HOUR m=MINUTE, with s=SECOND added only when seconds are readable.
h=8 m=25 s=34
